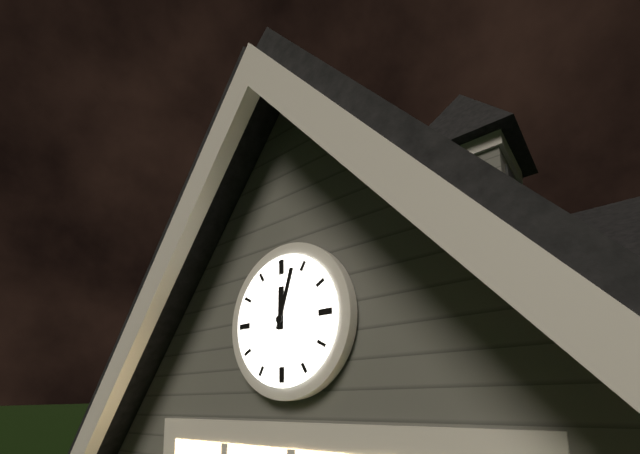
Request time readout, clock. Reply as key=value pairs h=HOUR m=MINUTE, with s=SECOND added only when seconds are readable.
h=12 m=3
